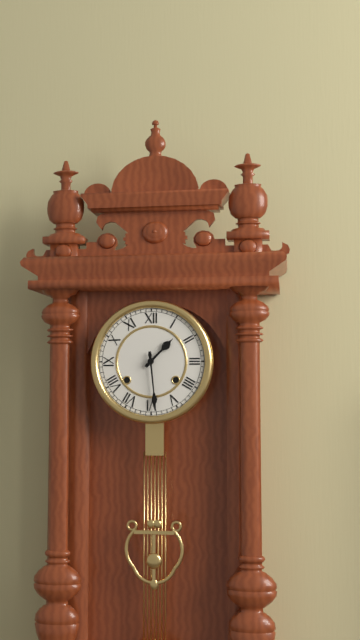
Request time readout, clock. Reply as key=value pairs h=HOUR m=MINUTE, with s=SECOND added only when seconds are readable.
h=1 m=29
